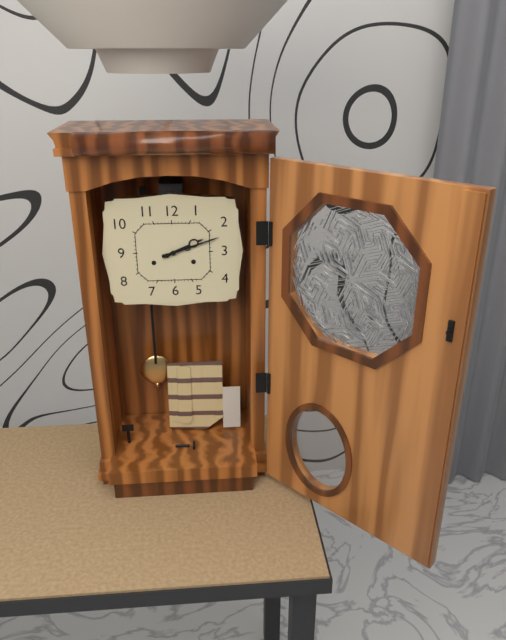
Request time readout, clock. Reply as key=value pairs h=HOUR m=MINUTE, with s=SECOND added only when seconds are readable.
h=2 m=12
